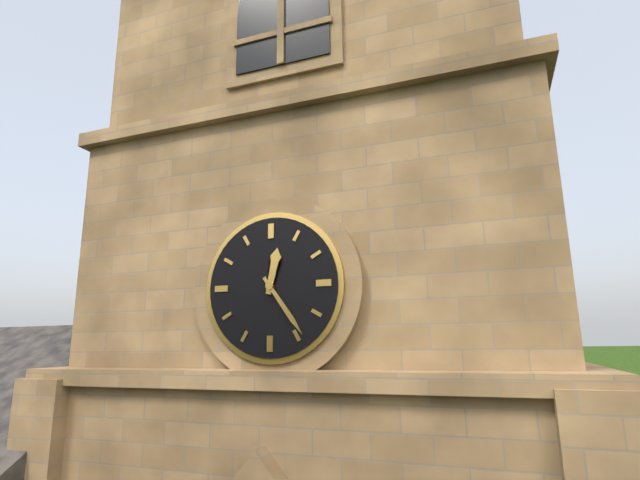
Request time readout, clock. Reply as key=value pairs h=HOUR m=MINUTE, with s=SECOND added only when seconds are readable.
h=12 m=24
